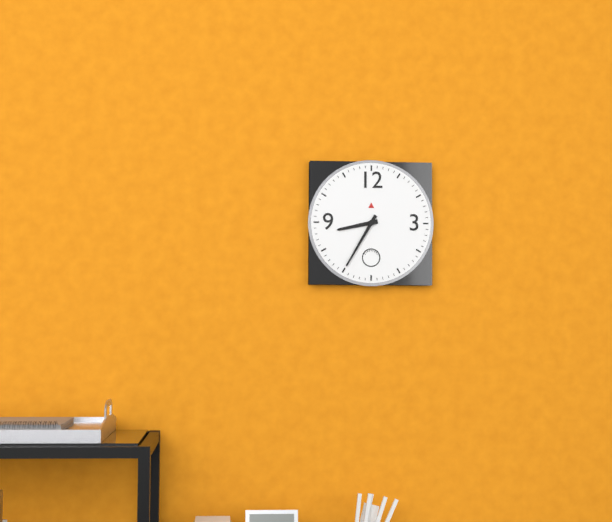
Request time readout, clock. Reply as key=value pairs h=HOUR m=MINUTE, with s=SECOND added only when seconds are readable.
h=8 m=35
